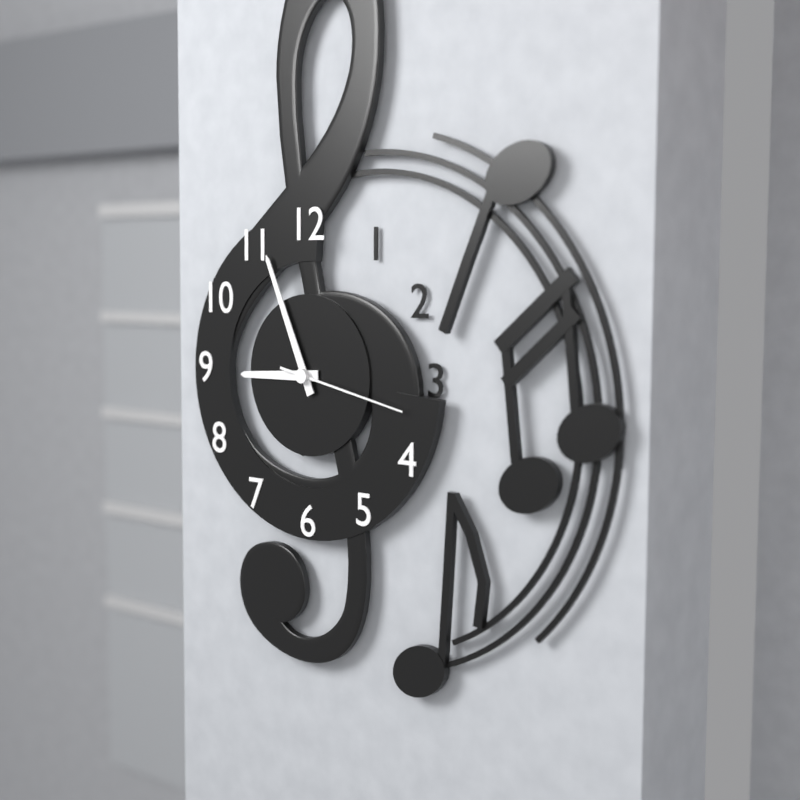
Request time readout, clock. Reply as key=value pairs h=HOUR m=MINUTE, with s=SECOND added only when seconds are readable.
h=8 m=56 s=17
